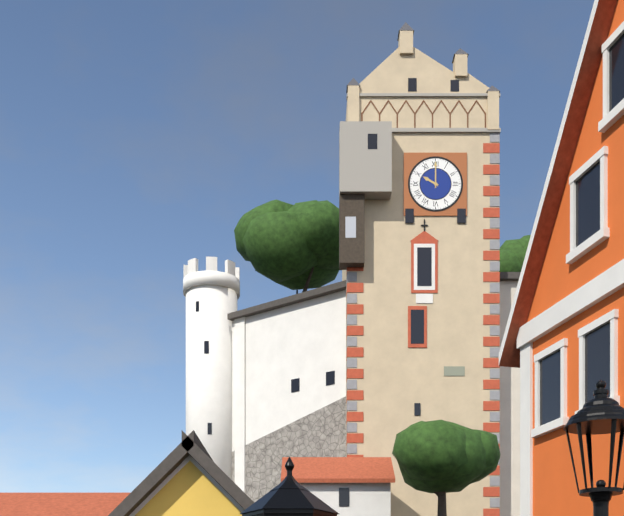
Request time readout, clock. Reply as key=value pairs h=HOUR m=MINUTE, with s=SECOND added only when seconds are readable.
h=10 m=0
